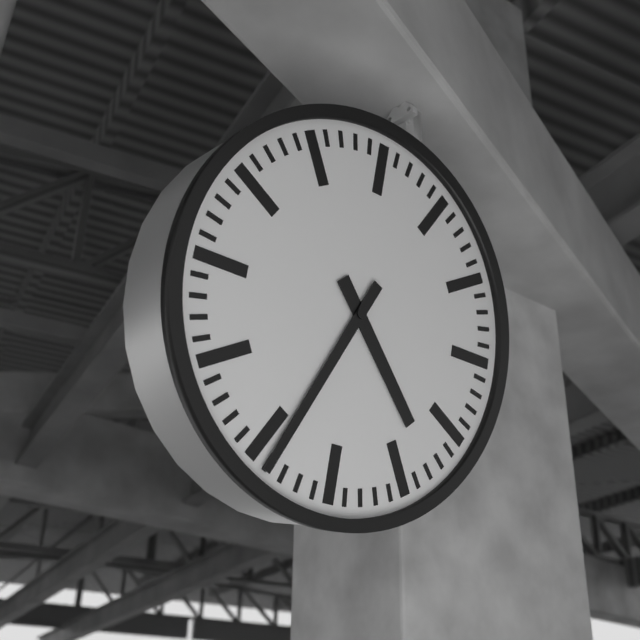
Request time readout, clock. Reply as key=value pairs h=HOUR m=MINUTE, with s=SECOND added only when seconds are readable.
h=4 m=34
